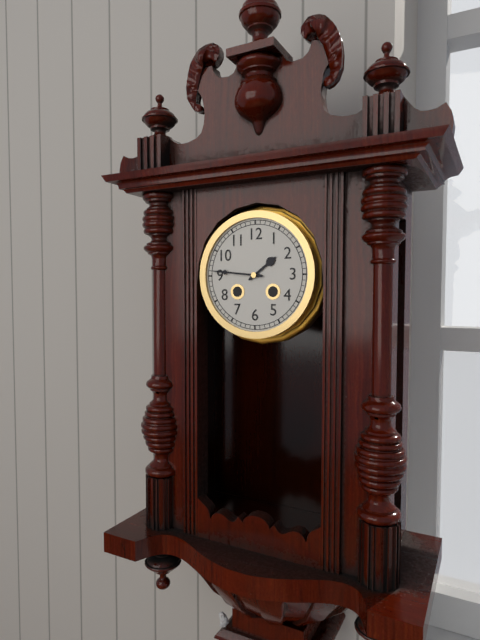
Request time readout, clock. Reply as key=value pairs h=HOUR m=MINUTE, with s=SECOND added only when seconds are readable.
h=1 m=46
